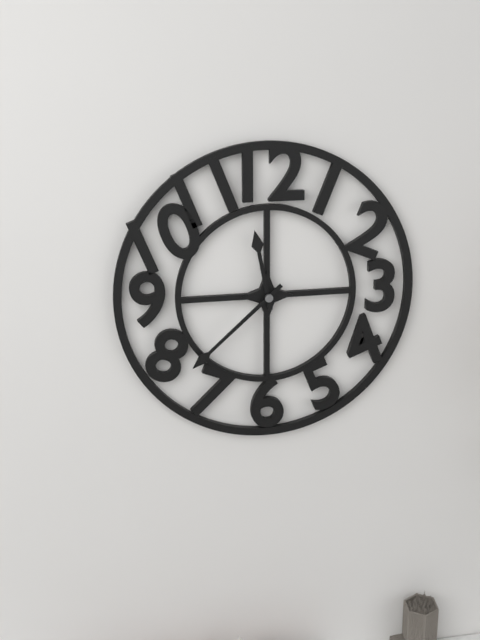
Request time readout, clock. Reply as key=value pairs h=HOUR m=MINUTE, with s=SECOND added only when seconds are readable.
h=11 m=38
